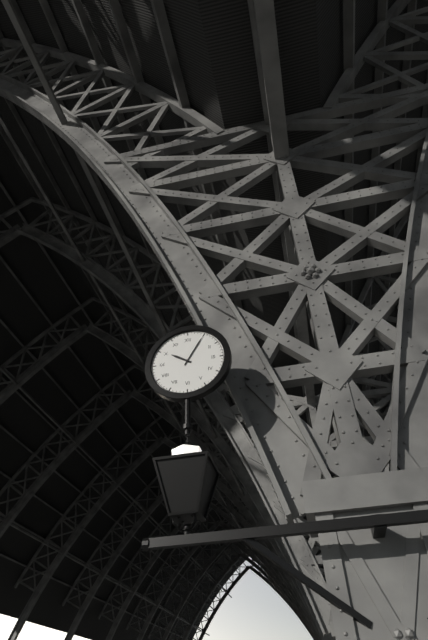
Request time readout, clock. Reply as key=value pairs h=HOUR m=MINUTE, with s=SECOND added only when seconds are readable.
h=10 m=5
